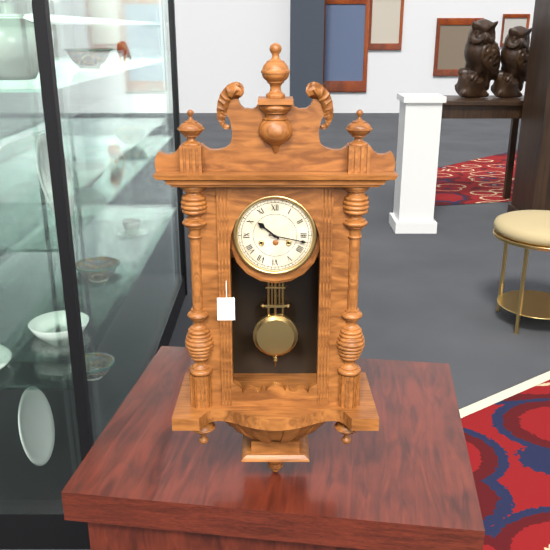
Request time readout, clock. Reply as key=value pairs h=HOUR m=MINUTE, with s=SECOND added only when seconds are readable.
h=10 m=17
